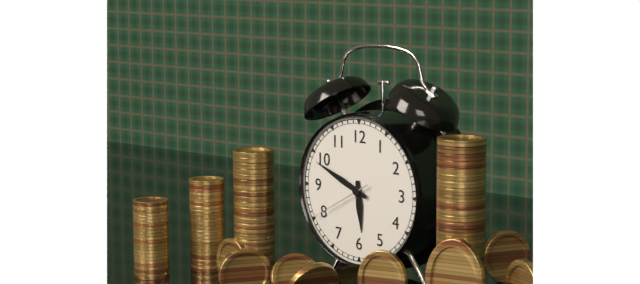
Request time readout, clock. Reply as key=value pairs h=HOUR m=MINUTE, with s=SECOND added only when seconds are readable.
h=5 m=49 s=40
